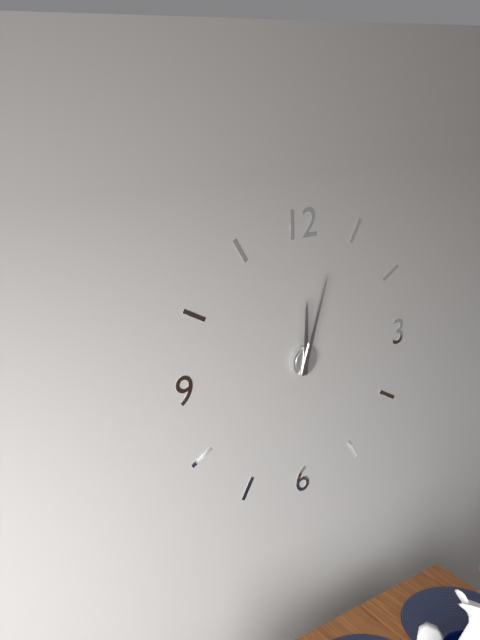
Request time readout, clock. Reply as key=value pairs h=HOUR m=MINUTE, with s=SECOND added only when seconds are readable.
h=12 m=3
